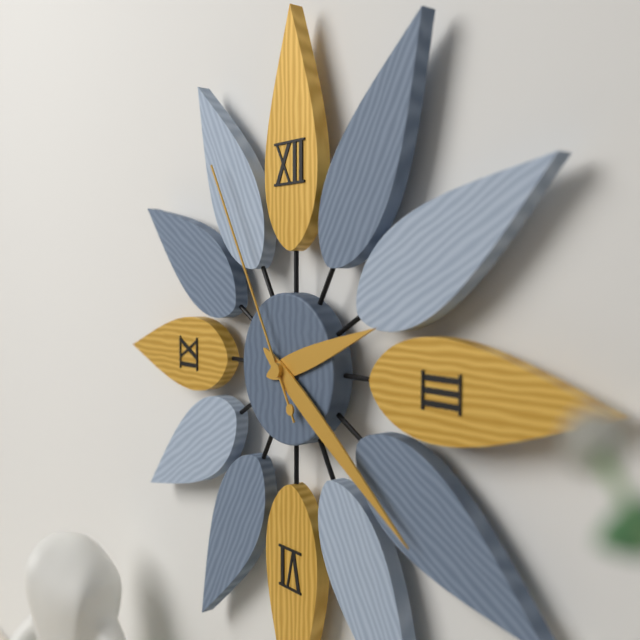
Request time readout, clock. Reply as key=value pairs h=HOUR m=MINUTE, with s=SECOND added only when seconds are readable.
h=2 m=21 s=55
